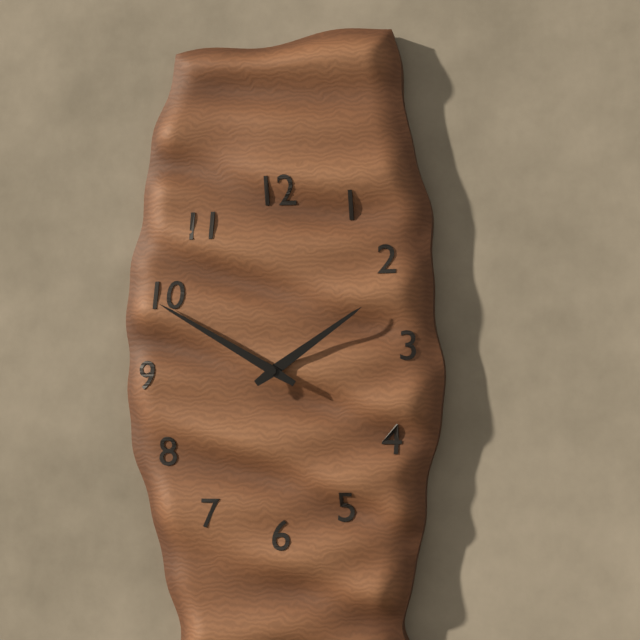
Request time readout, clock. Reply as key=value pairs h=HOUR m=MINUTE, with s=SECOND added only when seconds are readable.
h=1 m=50
